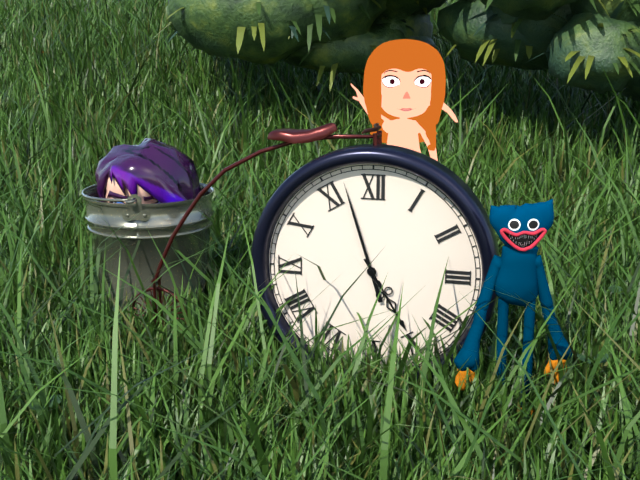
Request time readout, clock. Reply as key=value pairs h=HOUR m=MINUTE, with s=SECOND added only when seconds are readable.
h=4 m=57
